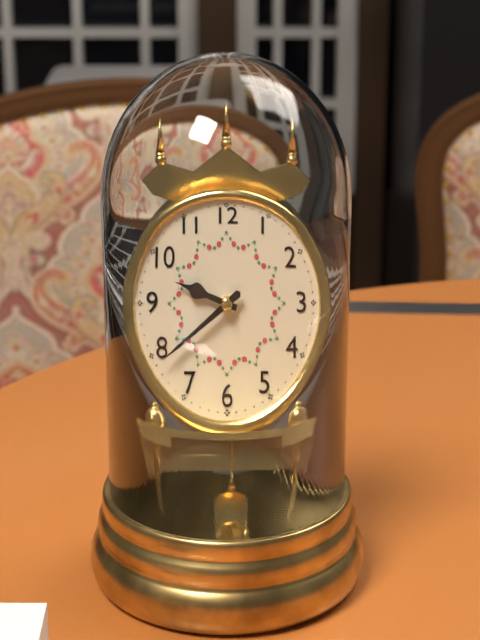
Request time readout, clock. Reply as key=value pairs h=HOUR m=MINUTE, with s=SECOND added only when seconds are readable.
h=9 m=39
